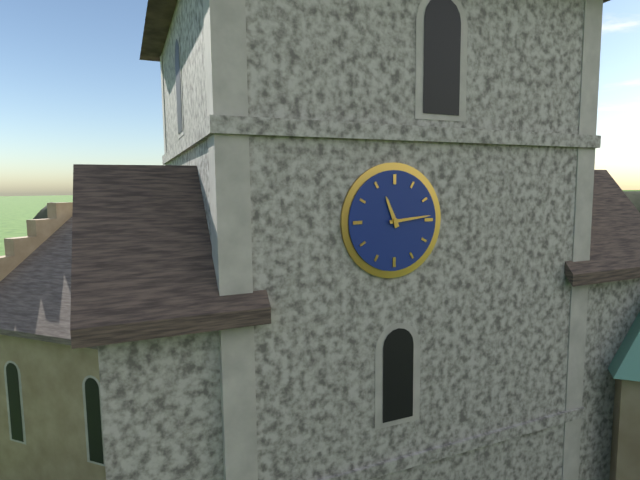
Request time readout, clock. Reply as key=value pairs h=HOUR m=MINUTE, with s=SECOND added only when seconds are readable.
h=11 m=14
